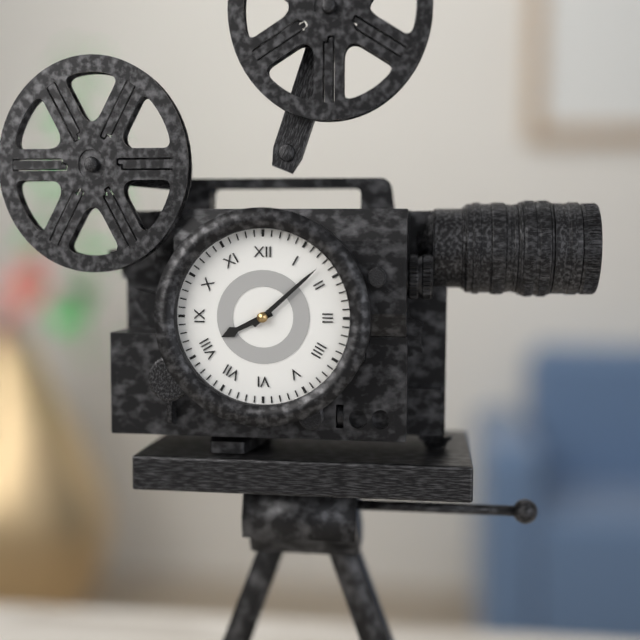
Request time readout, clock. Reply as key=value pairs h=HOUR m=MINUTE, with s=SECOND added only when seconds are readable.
h=8 m=8
